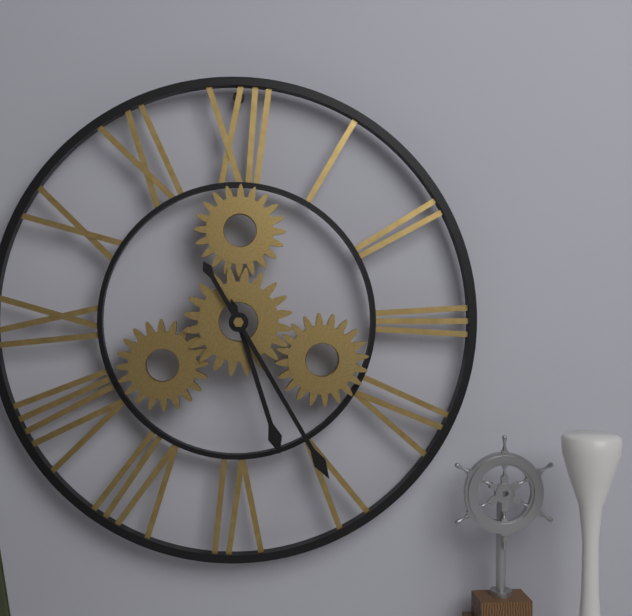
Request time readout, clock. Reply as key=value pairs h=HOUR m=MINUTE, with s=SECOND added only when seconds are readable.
h=5 m=25
